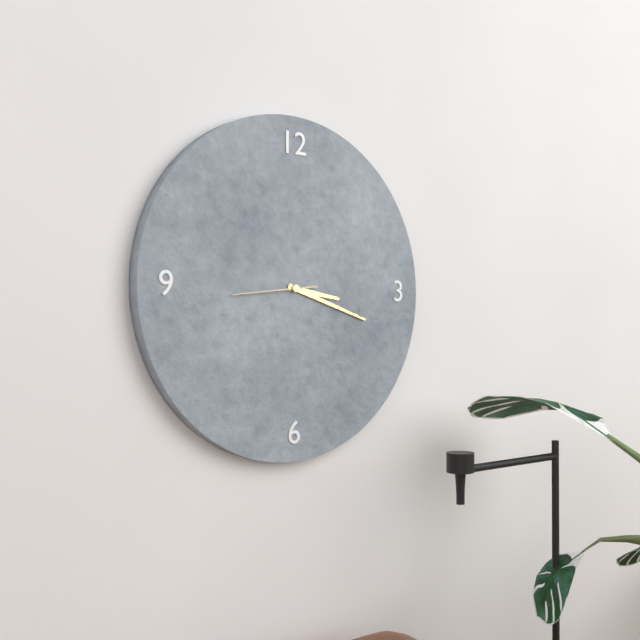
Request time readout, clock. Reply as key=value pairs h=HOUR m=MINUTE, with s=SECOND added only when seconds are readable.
h=3 m=18 s=44
